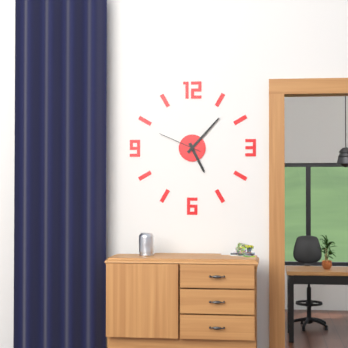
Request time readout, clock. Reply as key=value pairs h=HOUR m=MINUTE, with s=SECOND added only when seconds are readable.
h=5 m=7
